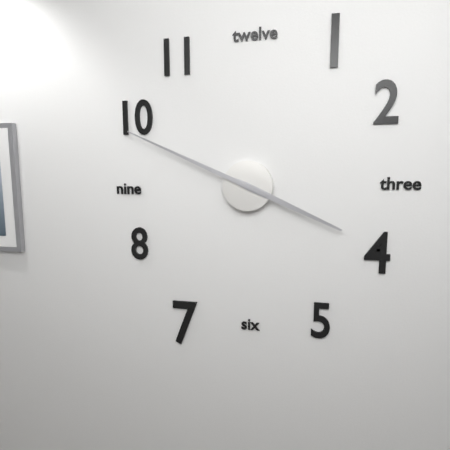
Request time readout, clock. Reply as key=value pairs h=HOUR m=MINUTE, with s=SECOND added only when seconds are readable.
h=3 m=49
